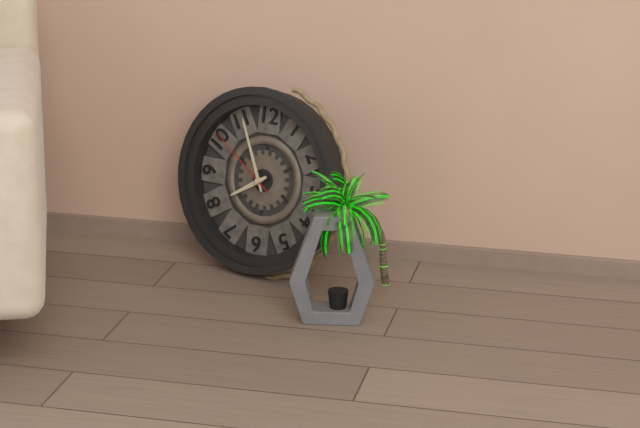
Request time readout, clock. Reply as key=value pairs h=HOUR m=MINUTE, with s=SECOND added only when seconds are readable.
h=7 m=56 s=51
